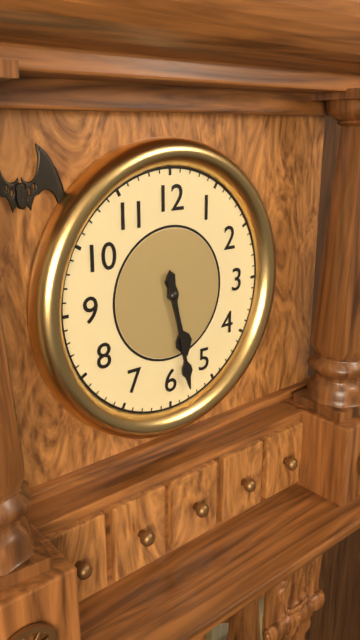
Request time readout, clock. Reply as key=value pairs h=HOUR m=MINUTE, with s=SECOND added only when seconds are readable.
h=5 m=28
